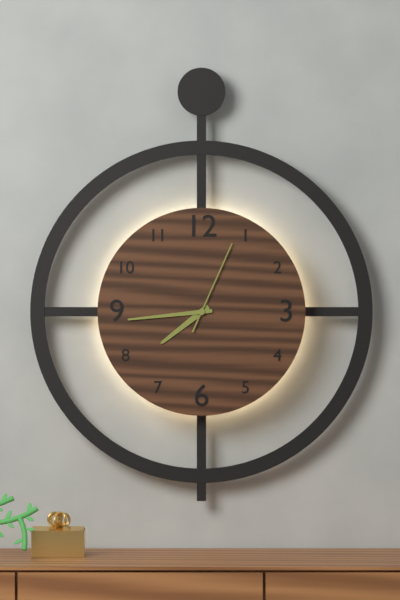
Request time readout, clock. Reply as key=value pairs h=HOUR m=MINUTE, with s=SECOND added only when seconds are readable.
h=7 m=44 s=4
